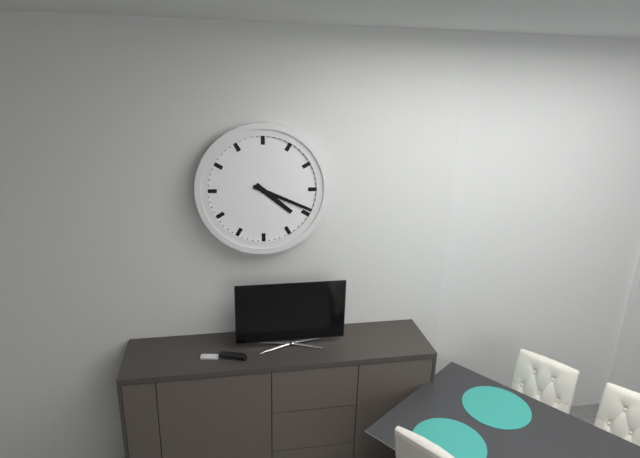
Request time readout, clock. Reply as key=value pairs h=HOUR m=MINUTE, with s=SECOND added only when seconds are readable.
h=4 m=19
